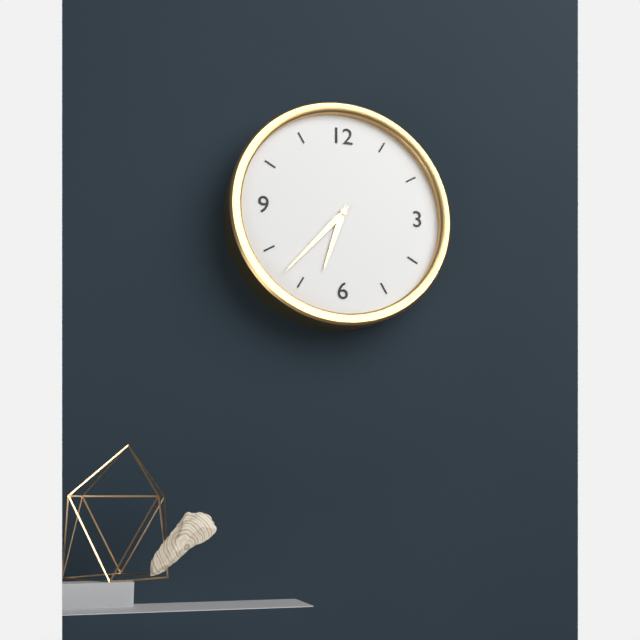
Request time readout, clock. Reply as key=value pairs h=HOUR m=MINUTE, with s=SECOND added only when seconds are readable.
h=6 m=37
